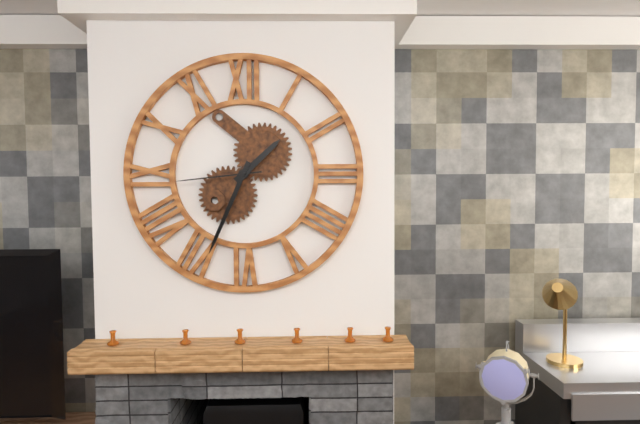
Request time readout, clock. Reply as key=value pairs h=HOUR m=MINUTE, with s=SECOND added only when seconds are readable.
h=1 m=34 s=44
